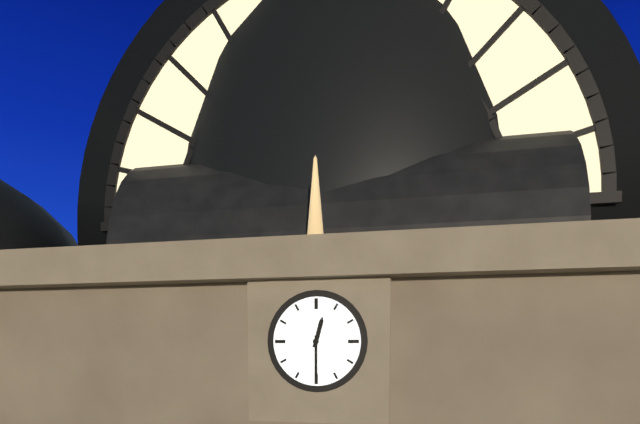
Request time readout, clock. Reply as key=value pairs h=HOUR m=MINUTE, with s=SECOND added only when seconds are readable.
h=12 m=30
